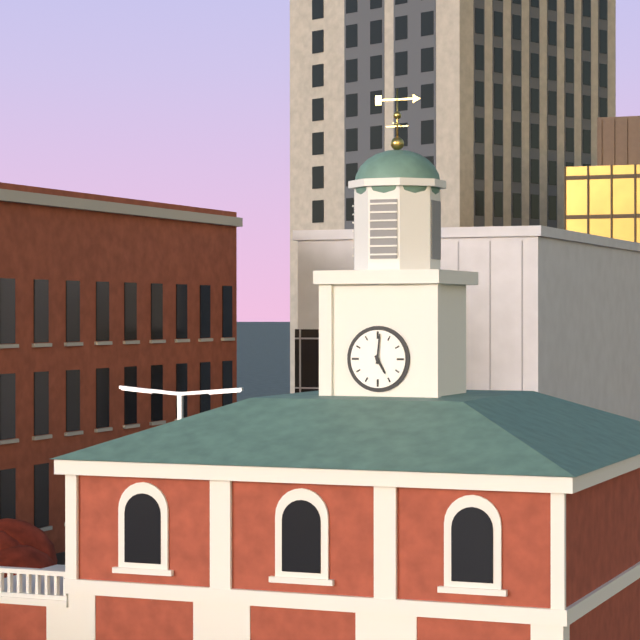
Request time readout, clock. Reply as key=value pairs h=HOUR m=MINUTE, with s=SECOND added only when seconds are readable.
h=5 m=1
